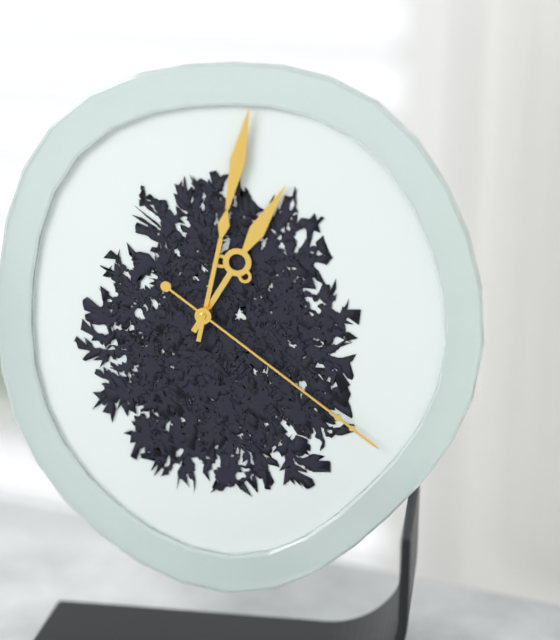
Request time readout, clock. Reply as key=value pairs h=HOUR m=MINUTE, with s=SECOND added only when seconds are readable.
h=1 m=2 s=21
